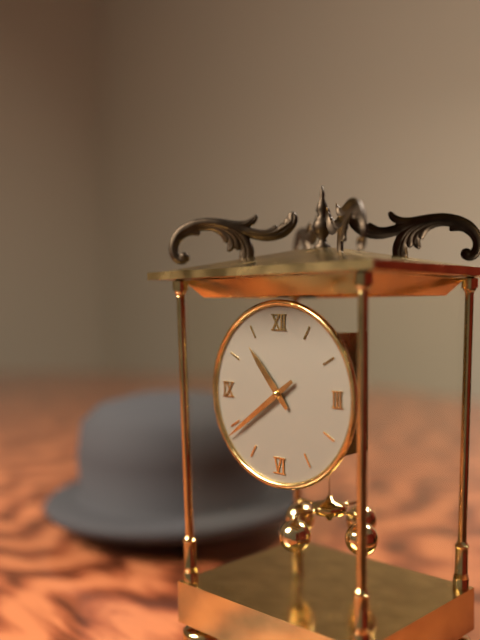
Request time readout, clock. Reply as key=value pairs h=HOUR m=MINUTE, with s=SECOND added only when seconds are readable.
h=10 m=39
